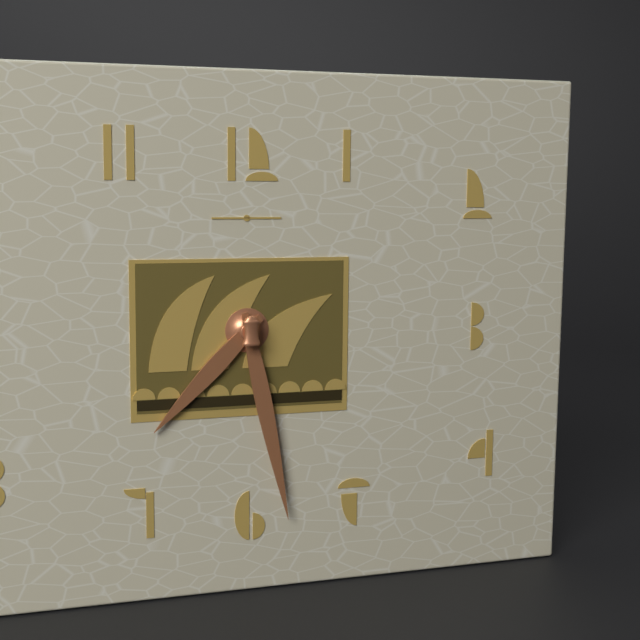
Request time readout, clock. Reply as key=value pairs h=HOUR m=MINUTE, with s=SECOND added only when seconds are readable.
h=7 m=28
